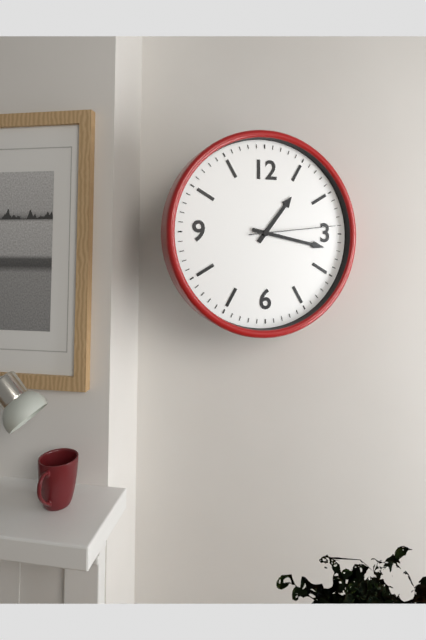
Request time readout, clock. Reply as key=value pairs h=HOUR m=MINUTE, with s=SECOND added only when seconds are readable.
h=1 m=17 s=14
